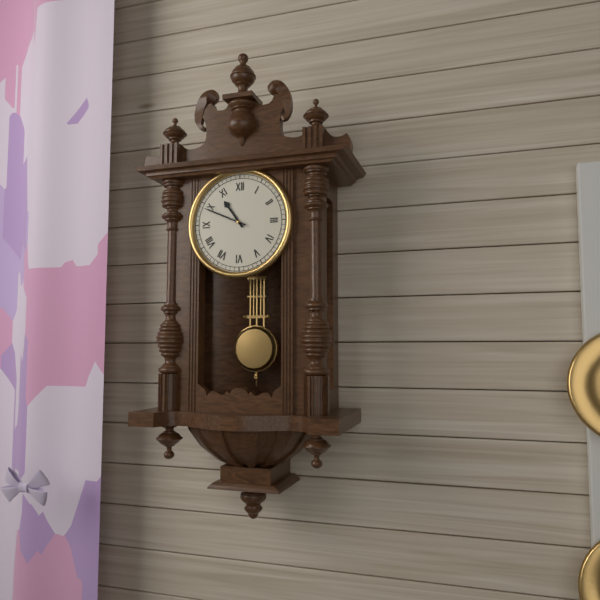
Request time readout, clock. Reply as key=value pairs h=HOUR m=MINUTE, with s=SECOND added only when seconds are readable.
h=10 m=49
